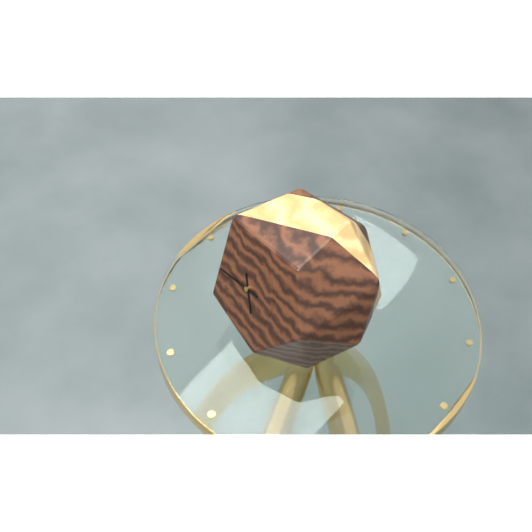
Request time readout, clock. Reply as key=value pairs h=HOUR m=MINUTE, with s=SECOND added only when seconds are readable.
h=4 m=43
